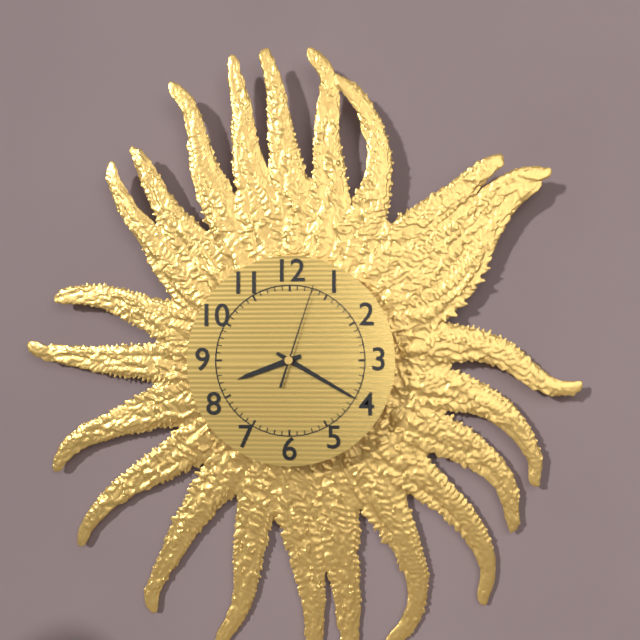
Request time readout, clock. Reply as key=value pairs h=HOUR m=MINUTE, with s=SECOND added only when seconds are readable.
h=8 m=20 s=3
